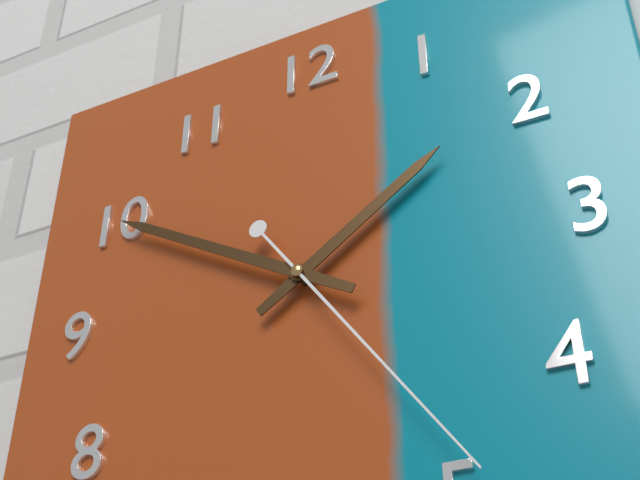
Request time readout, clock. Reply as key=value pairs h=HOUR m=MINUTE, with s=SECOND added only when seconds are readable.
h=1 m=50 s=24
